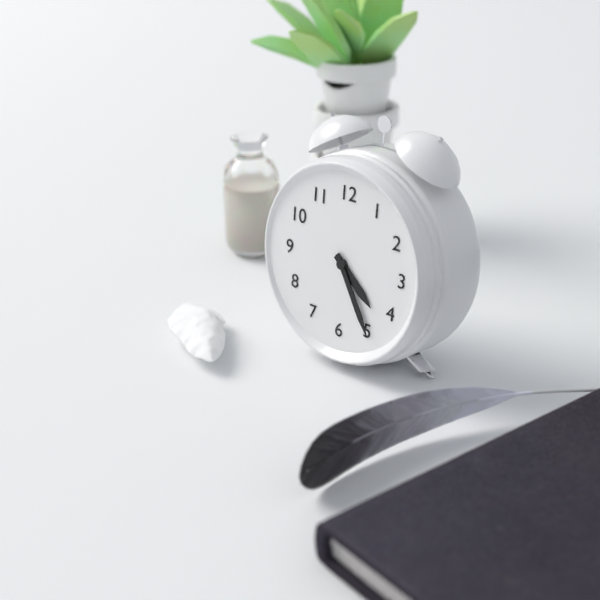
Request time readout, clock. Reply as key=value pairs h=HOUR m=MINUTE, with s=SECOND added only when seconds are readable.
h=4 m=25
